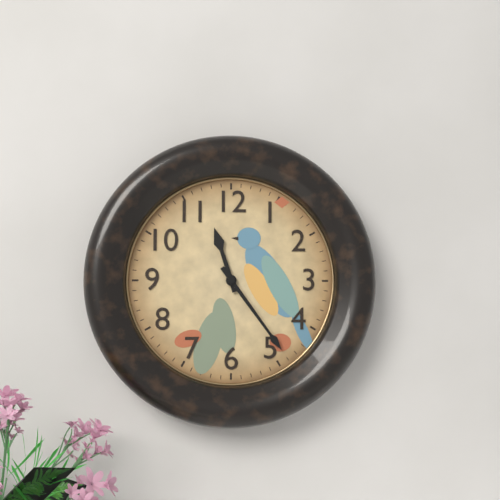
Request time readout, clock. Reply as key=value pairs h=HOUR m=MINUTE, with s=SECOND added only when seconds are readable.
h=11 m=24
